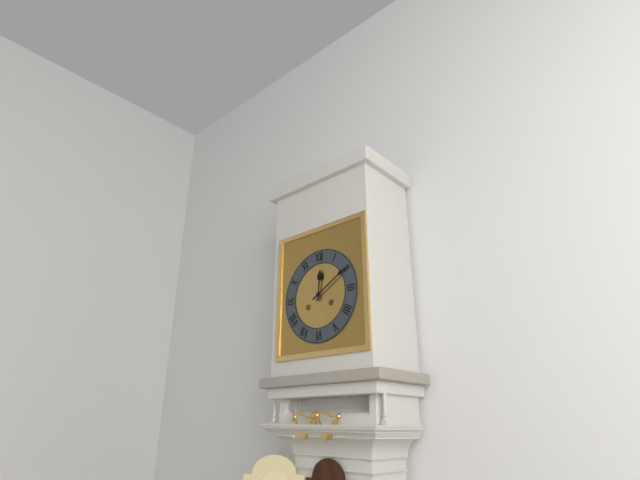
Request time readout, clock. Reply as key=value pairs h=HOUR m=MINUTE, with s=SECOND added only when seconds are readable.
h=12 m=10
